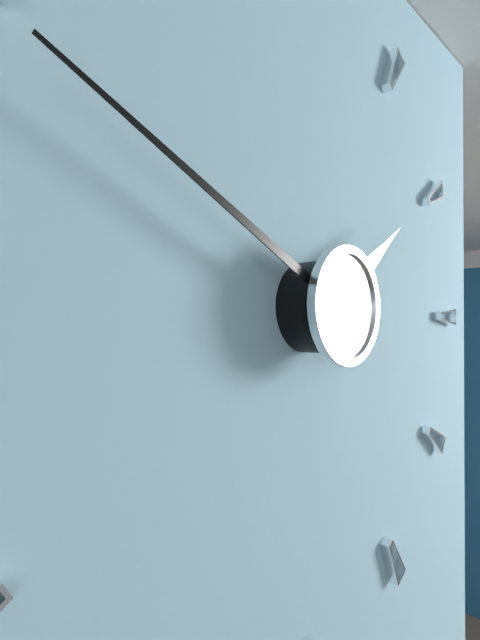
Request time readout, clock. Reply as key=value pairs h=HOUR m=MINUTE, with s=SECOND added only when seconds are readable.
h=1 m=49
